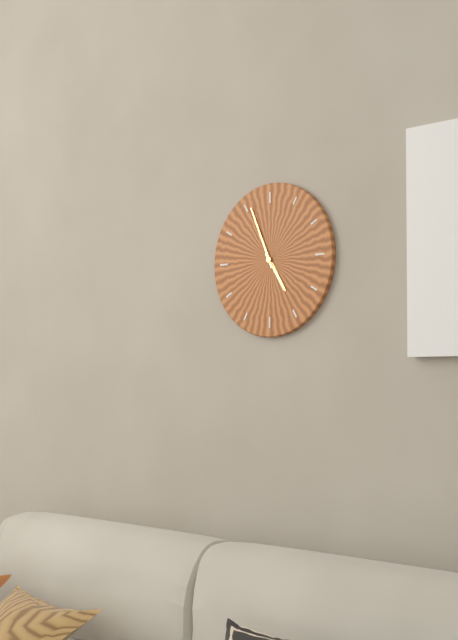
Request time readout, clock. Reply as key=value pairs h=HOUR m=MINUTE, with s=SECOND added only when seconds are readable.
h=4 m=56
